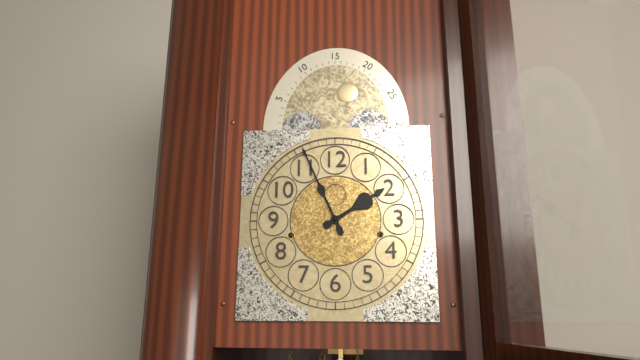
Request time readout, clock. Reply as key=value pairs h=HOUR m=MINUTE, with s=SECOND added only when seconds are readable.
h=1 m=56
